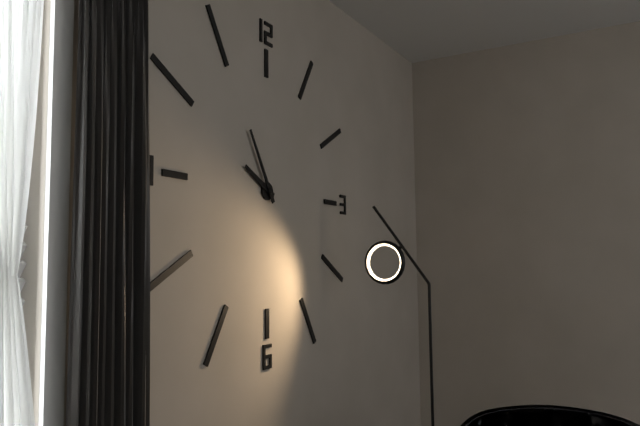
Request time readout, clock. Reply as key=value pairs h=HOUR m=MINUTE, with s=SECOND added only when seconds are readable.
h=9 m=55
